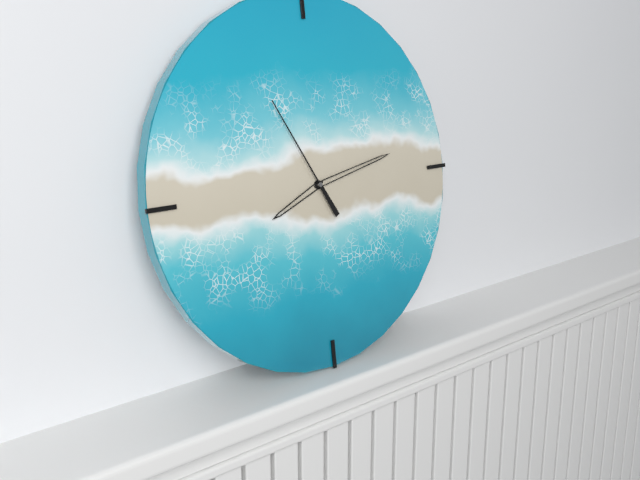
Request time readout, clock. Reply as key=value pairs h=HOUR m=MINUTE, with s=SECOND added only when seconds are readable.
h=8 m=13 s=55
